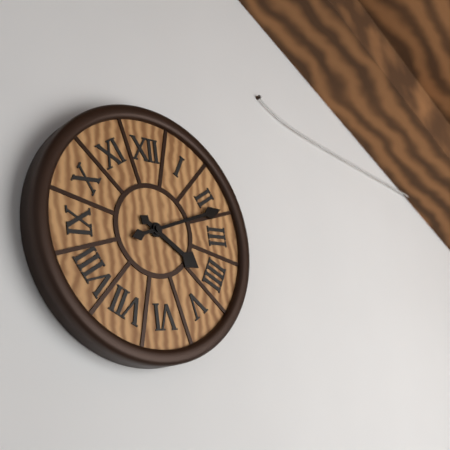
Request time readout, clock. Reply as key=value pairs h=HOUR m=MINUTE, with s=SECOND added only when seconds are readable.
h=4 m=12
